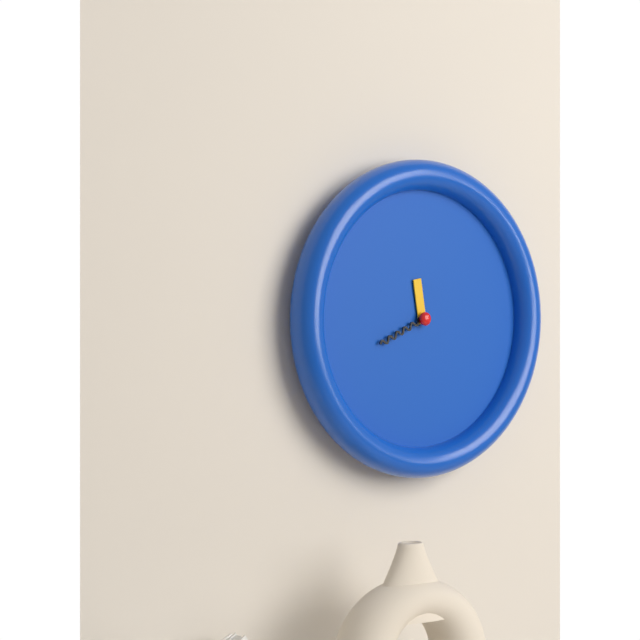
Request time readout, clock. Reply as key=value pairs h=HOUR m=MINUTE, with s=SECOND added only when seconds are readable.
h=11 m=41
